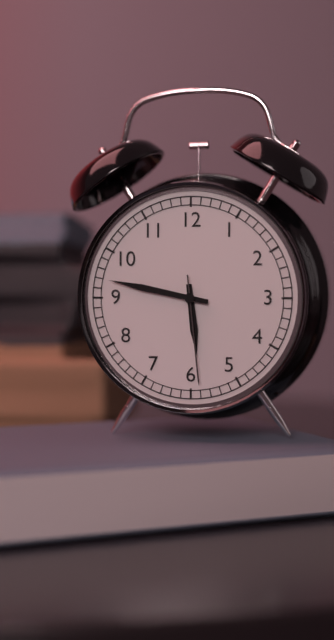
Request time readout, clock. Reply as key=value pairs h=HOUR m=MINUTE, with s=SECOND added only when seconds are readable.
h=5 m=47 s=29
